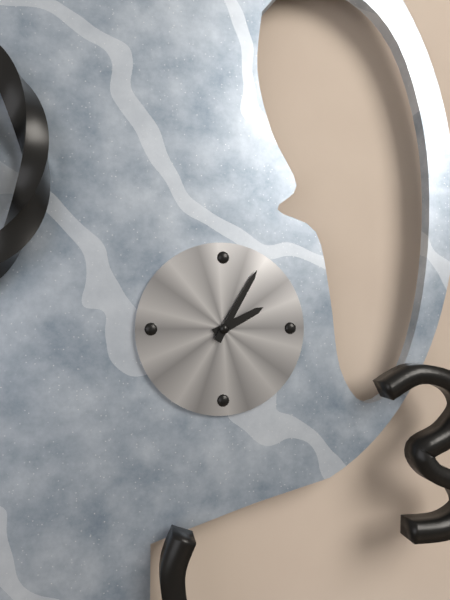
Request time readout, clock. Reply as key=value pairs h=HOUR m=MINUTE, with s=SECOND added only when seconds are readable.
h=2 m=5
